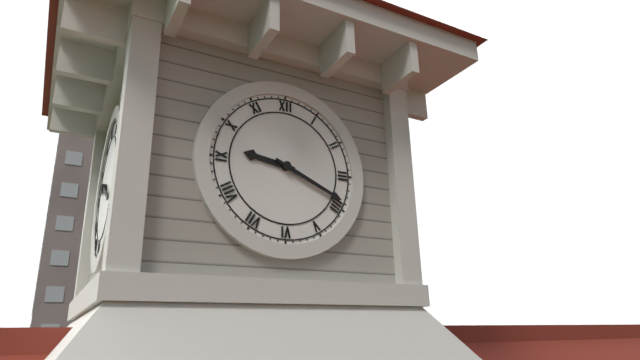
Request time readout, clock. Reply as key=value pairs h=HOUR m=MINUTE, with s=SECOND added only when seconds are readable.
h=9 m=19
